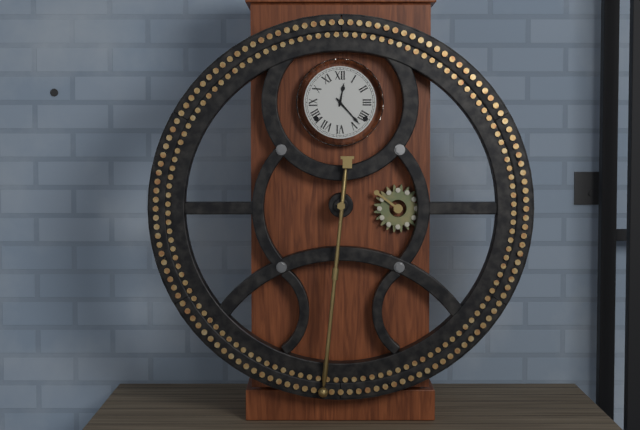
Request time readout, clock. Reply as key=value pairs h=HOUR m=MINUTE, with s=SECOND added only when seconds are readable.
h=12 m=23
